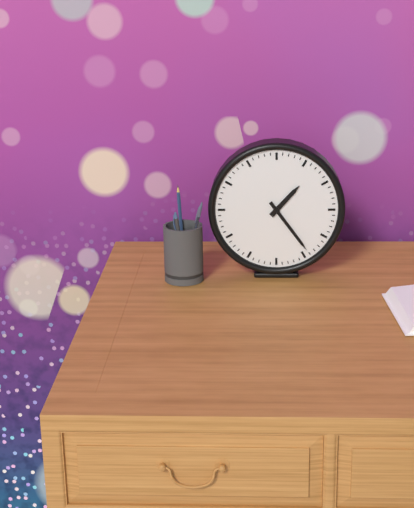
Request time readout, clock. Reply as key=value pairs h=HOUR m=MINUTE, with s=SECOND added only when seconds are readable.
h=1 m=24
